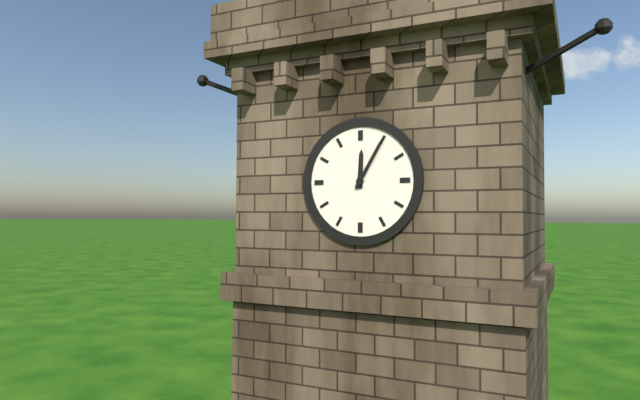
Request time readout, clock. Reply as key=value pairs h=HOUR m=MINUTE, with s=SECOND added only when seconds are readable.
h=12 m=5
